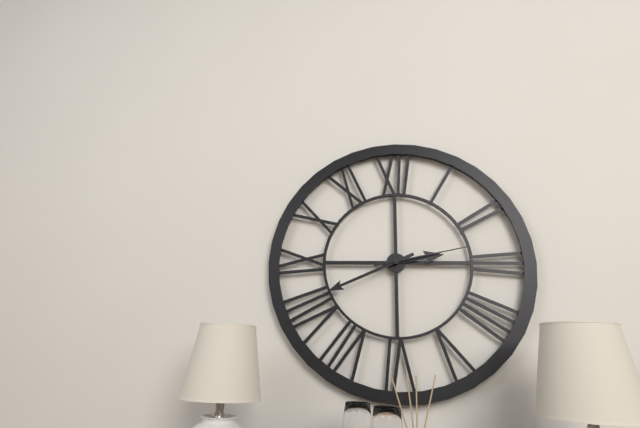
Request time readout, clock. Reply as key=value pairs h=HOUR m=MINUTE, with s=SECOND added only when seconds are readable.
h=2 m=41 s=13
